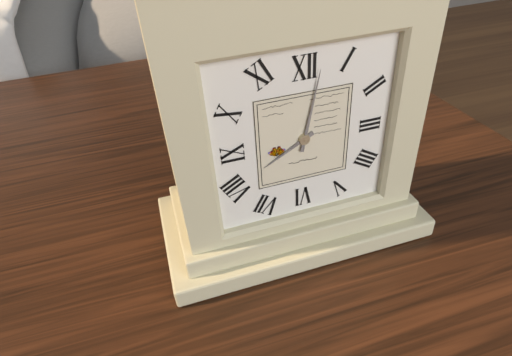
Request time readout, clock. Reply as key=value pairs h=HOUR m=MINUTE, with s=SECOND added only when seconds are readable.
h=8 m=2
